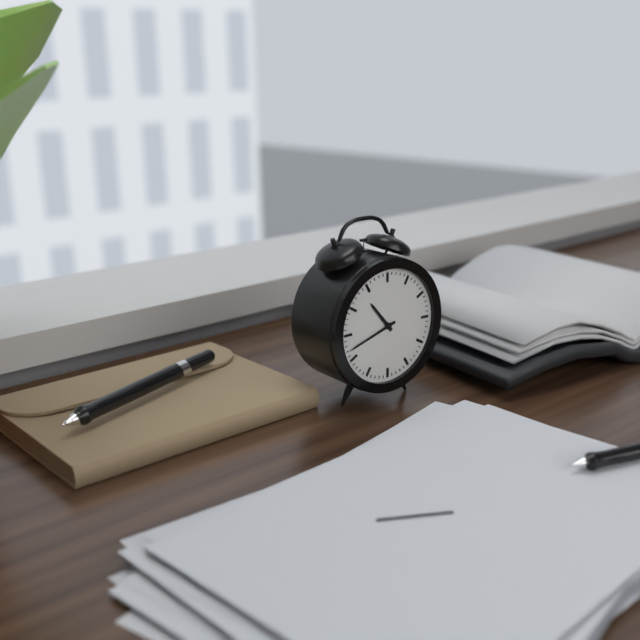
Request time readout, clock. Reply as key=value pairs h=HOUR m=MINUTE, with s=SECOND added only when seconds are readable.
h=10 m=42
